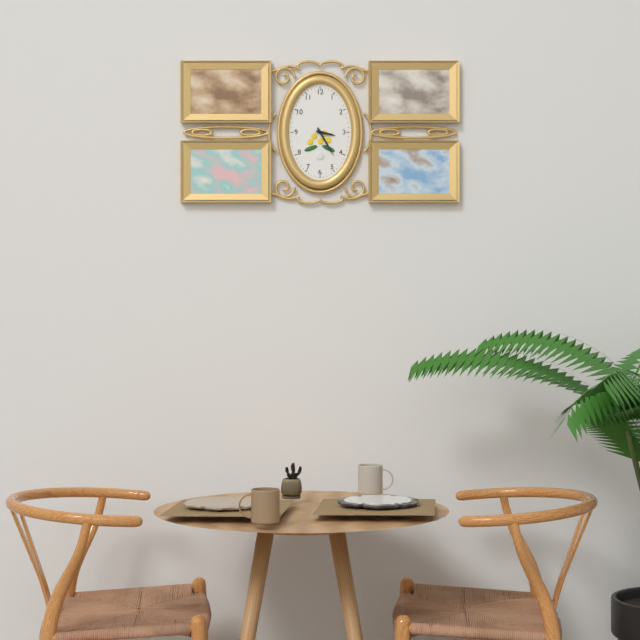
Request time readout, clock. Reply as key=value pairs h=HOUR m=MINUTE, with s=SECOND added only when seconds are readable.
h=3 m=25
